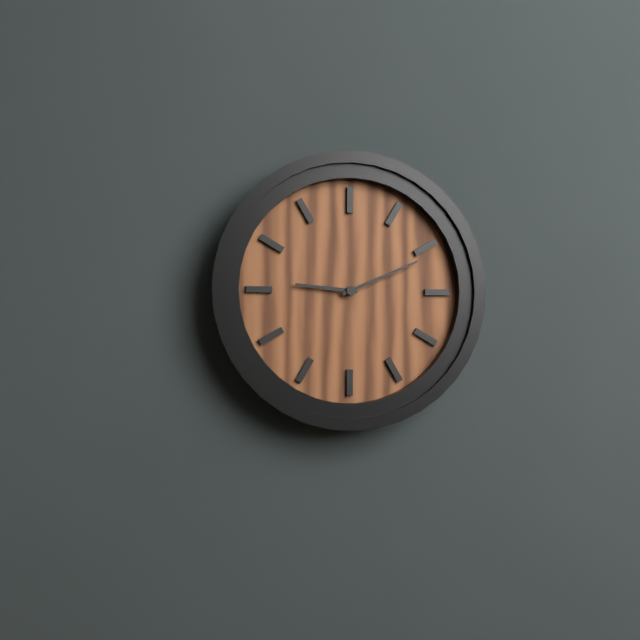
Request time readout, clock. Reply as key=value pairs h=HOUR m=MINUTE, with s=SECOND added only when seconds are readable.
h=9 m=11
